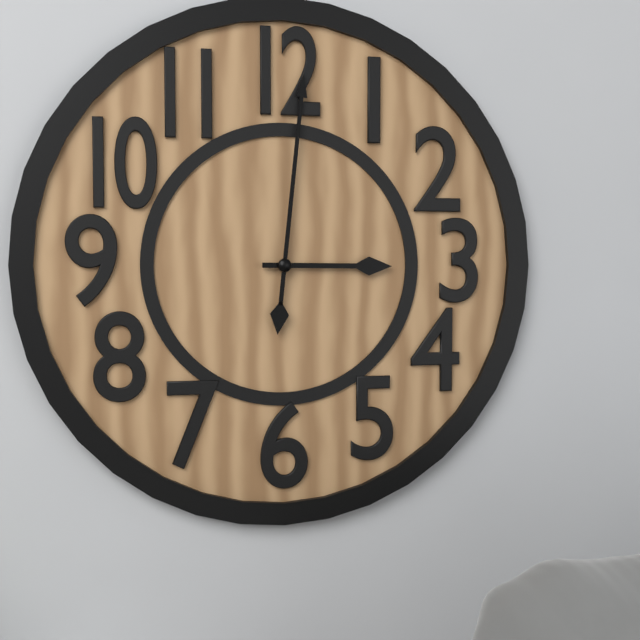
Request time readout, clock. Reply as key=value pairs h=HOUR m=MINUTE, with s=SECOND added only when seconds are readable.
h=3 m=1
